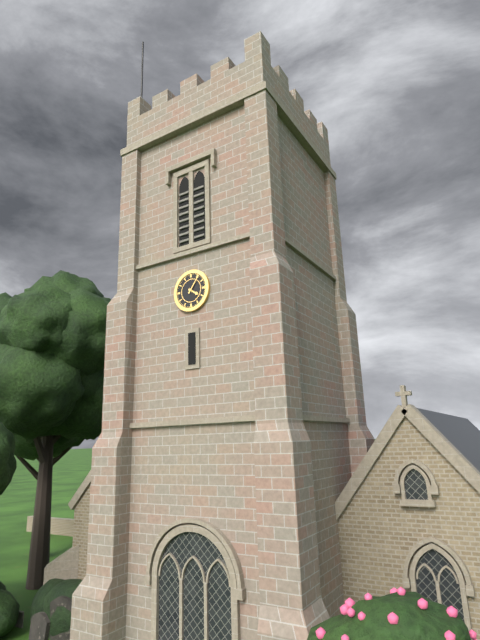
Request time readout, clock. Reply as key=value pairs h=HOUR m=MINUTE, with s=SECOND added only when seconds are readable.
h=4 m=6
